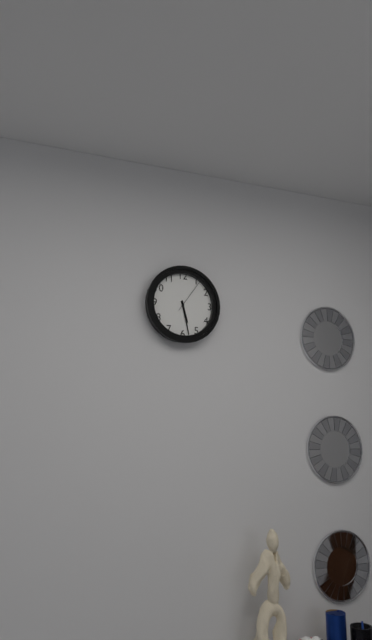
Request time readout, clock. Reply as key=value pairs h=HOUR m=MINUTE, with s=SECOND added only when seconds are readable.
h=5 m=28
